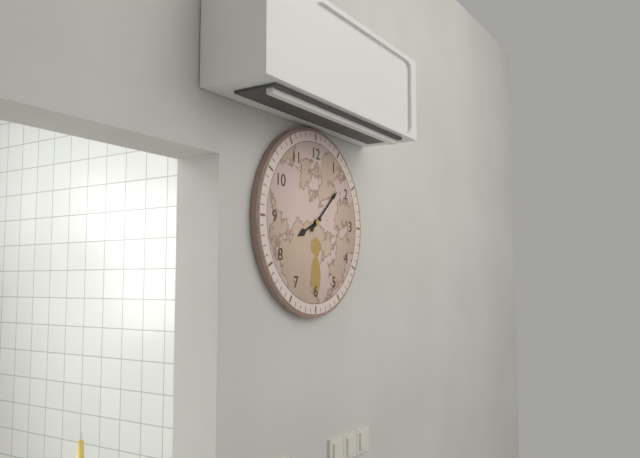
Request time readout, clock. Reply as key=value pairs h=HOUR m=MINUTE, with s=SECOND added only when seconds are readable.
h=8 m=8
